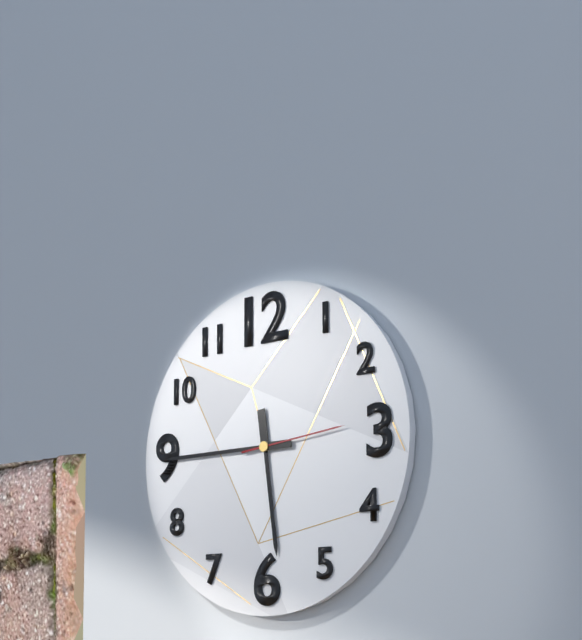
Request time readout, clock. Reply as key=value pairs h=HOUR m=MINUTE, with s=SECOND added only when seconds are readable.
h=5 m=45 s=14
